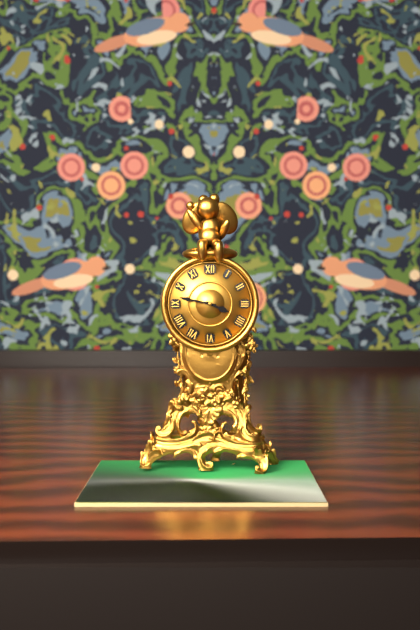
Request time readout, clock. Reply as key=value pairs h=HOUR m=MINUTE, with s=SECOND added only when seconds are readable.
h=3 m=47
